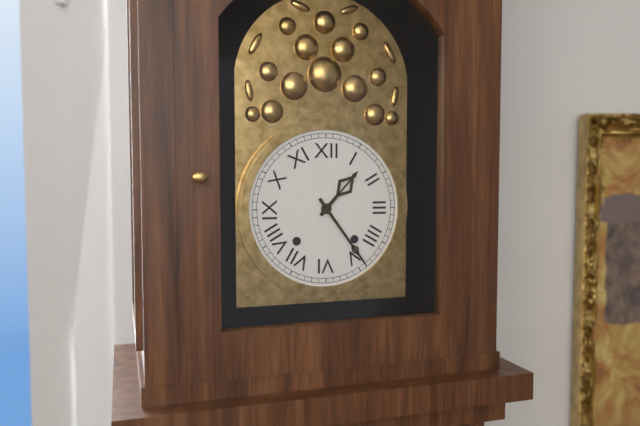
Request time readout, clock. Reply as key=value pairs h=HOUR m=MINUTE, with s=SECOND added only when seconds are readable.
h=1 m=24
